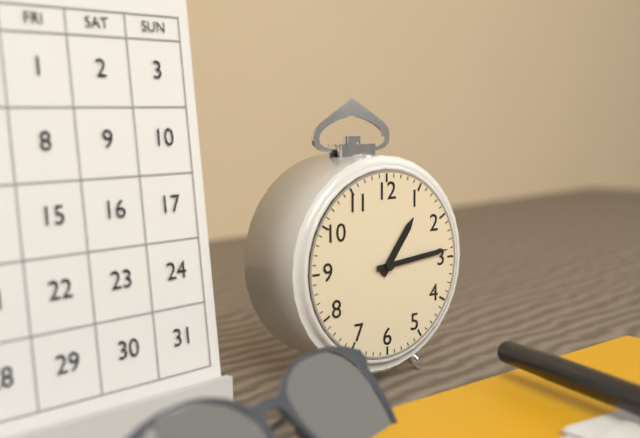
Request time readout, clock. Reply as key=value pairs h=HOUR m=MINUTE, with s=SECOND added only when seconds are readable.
h=1 m=14
